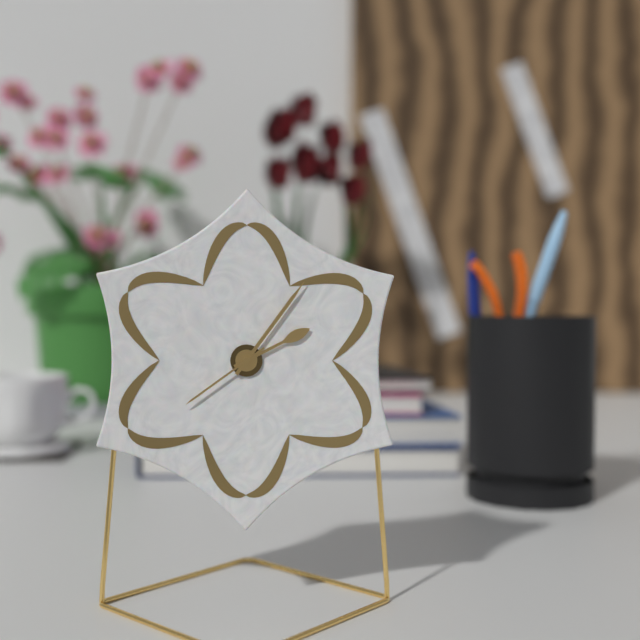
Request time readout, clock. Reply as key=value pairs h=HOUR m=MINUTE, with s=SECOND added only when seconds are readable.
h=2 m=6 s=39
